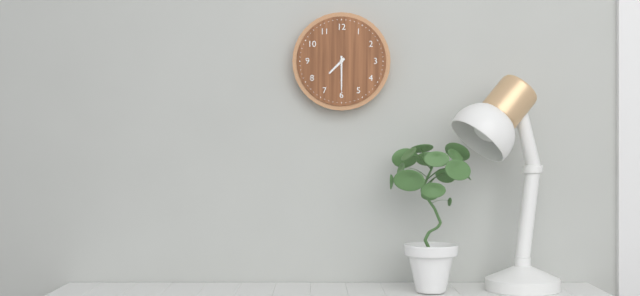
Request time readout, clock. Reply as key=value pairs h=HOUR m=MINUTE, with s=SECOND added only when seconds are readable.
h=7 m=30
